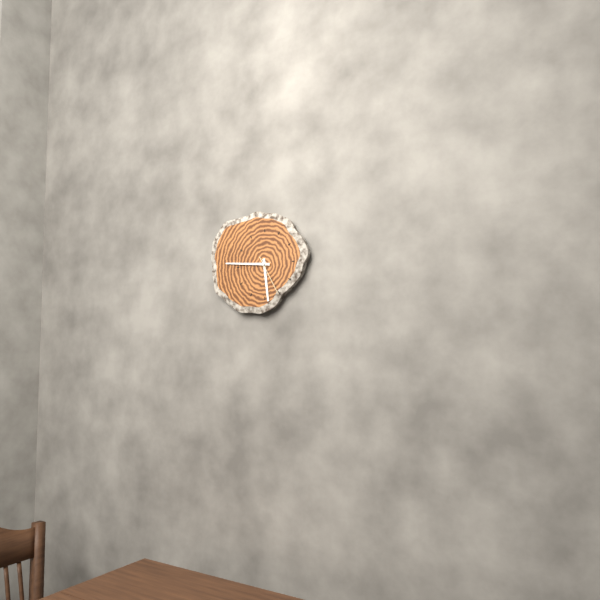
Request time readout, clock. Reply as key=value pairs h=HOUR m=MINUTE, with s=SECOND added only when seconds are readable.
h=5 m=46
